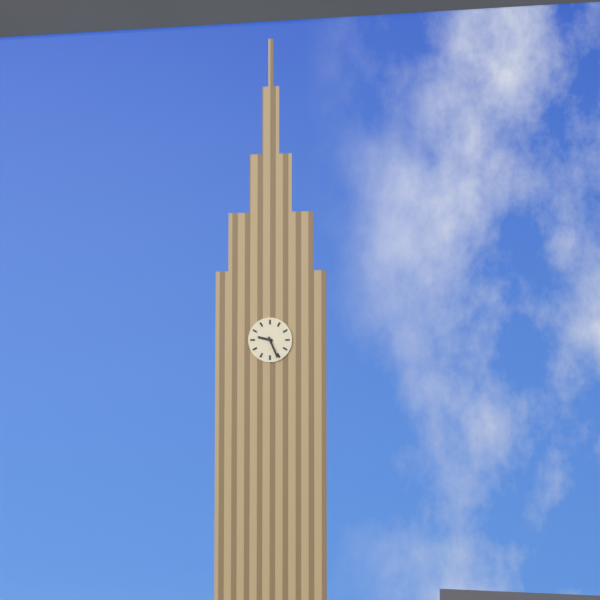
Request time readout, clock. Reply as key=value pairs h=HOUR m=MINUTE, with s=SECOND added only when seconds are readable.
h=9 m=26
